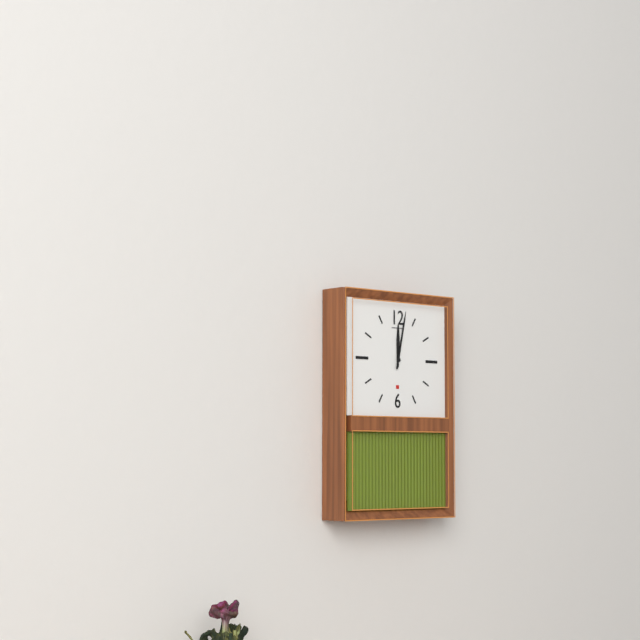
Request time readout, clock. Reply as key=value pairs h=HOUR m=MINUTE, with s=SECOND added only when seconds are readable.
h=12 m=2
